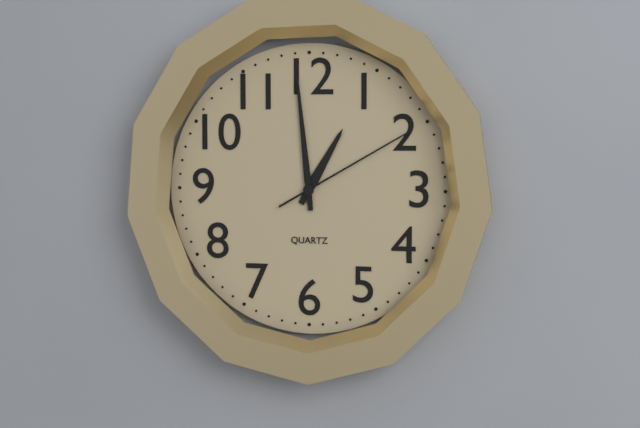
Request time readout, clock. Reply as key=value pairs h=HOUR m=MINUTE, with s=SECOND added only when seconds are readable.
h=12 m=59 s=10
